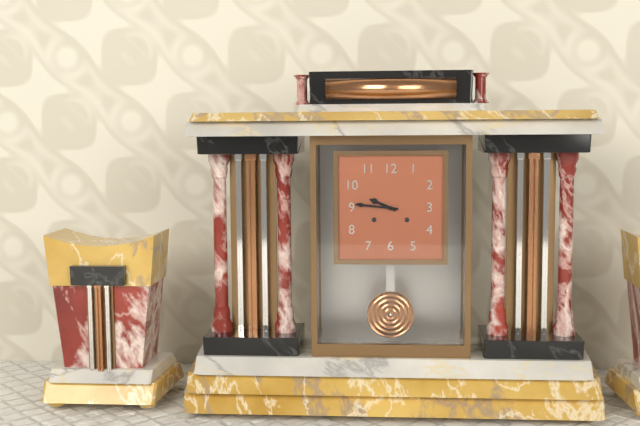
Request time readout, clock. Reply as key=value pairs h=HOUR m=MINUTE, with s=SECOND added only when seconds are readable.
h=9 m=46
